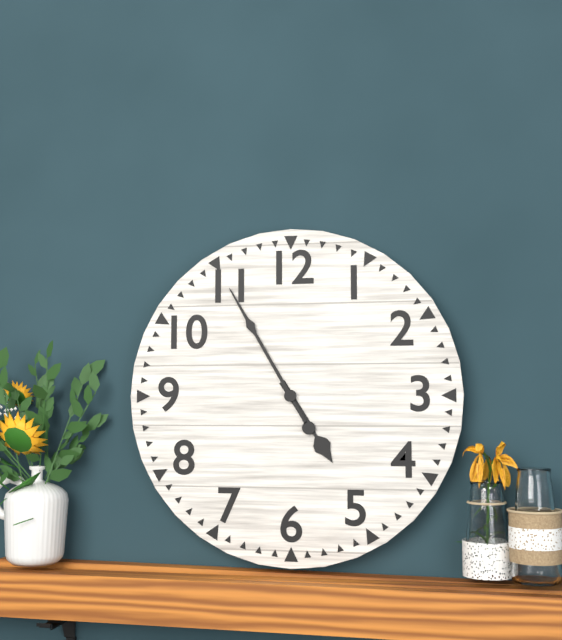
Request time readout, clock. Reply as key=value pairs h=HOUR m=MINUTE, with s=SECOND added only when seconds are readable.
h=4 m=55
